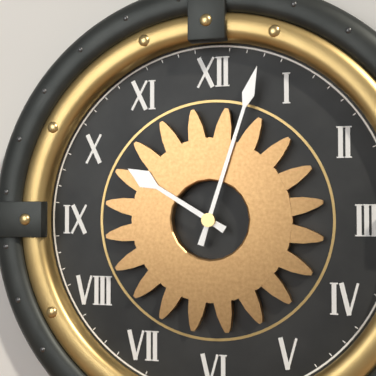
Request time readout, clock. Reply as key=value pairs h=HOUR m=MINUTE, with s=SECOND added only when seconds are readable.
h=10 m=3
